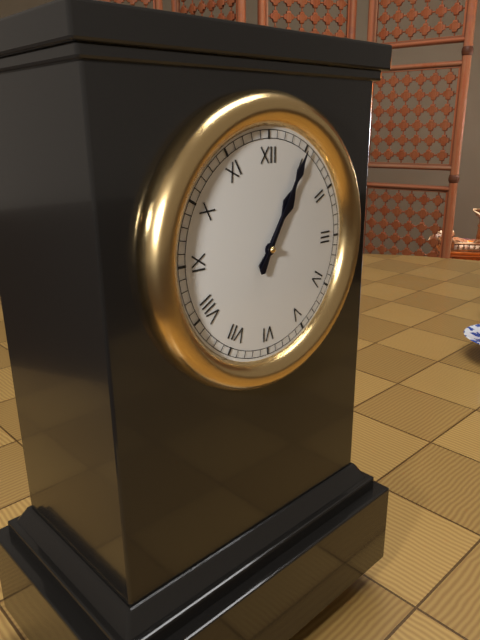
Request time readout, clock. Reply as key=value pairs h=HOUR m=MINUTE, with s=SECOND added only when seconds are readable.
h=1 m=5
